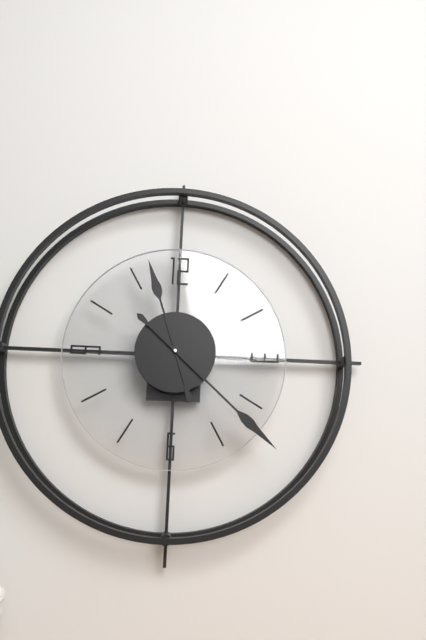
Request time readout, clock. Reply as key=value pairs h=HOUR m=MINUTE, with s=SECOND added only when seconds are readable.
h=11 m=22
